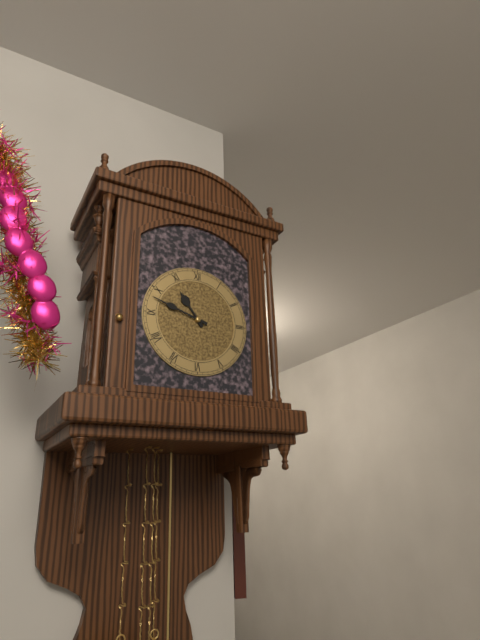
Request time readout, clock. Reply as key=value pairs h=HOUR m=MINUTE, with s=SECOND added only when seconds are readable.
h=10 m=48
